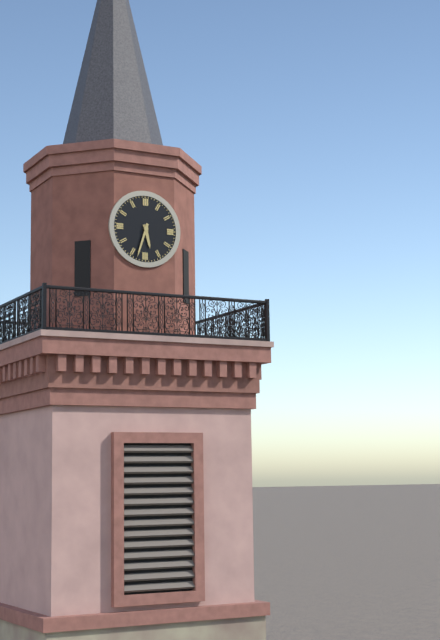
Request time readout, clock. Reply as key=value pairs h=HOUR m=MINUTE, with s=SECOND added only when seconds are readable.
h=5 m=33
